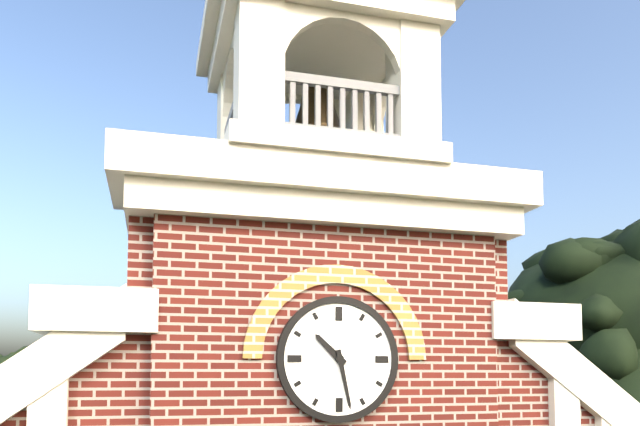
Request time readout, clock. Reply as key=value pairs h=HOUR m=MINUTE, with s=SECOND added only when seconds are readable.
h=10 m=28
